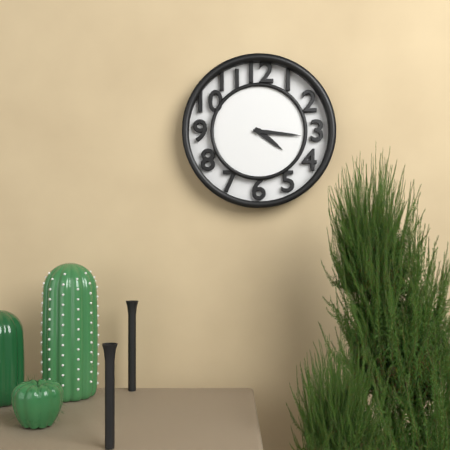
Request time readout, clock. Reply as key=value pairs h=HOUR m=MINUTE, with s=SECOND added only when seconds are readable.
h=4 m=16
